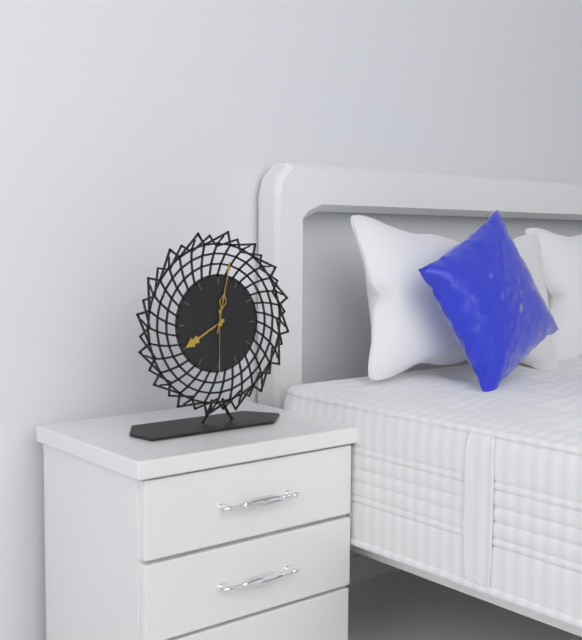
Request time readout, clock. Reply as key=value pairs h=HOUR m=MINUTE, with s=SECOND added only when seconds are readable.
h=8 m=2 s=30
